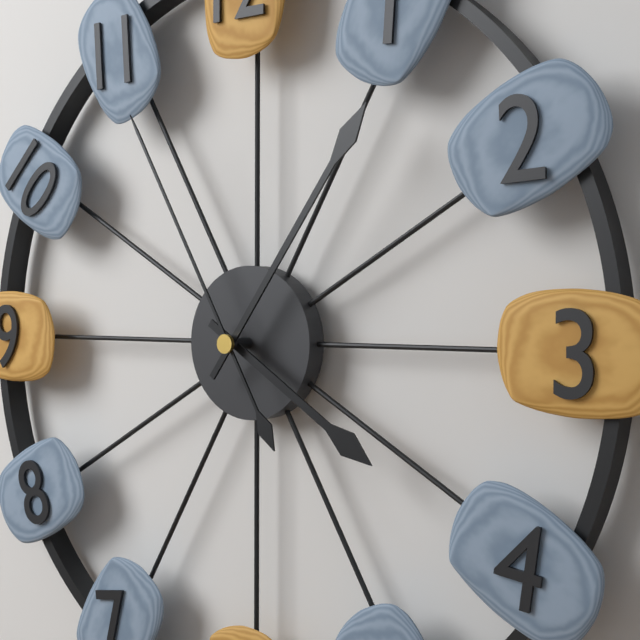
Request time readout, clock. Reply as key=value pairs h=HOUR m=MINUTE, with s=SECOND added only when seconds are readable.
h=4 m=6 s=55
